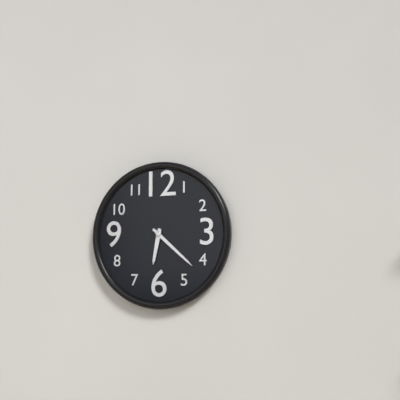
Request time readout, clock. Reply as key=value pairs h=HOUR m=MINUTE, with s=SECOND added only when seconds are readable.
h=6 m=22
